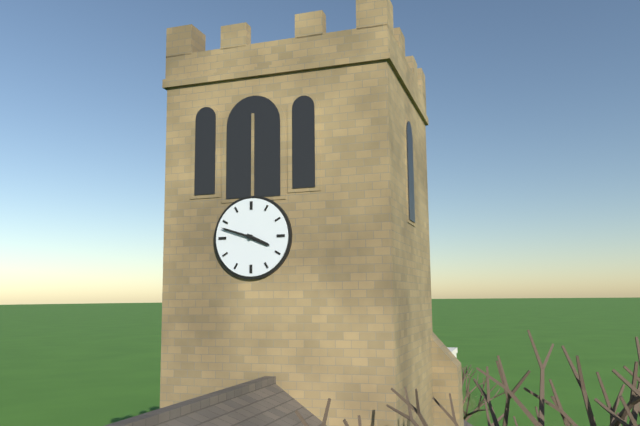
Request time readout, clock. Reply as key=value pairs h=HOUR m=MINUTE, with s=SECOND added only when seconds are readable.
h=3 m=48
